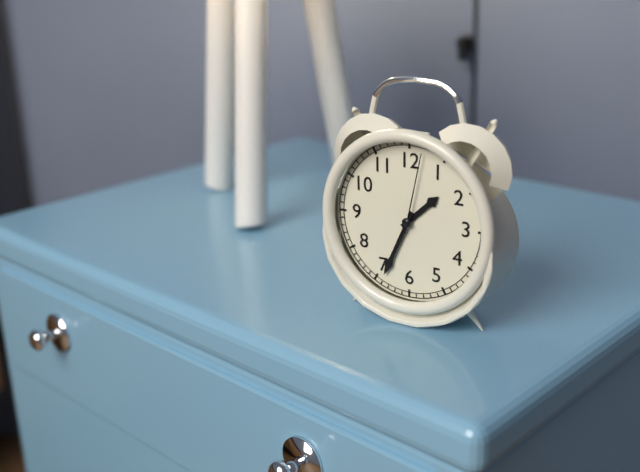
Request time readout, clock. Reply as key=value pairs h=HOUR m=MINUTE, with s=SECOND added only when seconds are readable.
h=1 m=34 s=2
